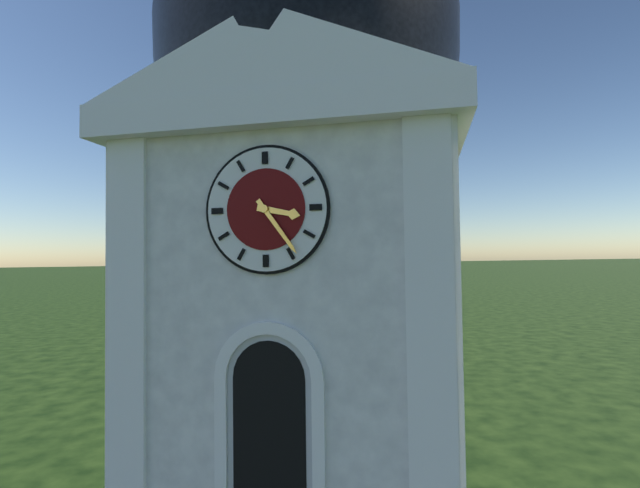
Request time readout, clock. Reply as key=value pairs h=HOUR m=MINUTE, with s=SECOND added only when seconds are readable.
h=3 m=24
